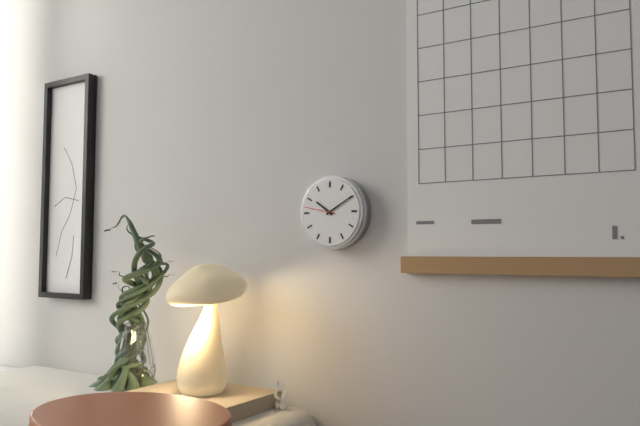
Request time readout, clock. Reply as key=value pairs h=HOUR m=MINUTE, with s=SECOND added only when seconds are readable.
h=10 m=10
